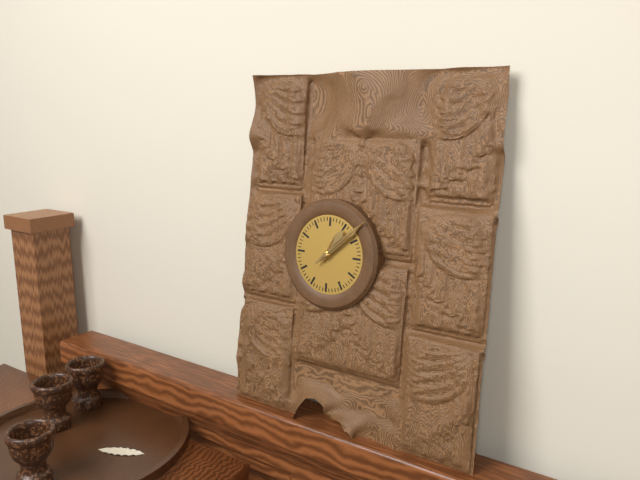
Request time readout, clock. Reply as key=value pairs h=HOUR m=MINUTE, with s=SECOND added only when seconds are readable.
h=1 m=8 s=8
